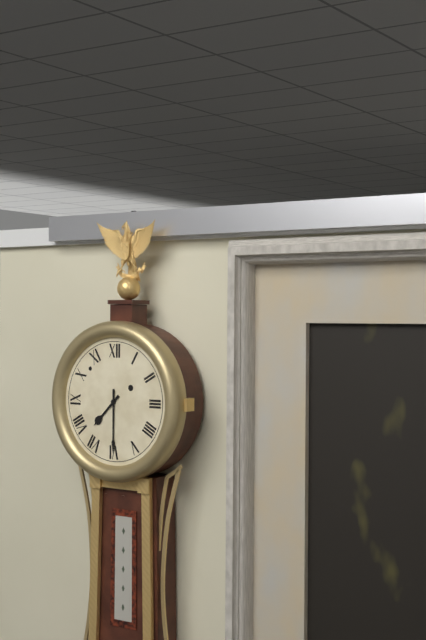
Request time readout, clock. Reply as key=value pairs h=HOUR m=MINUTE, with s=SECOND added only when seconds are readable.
h=7 m=30
